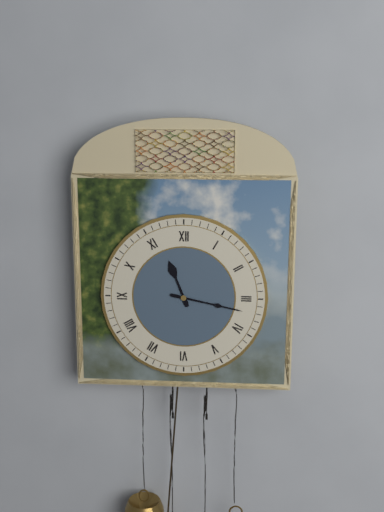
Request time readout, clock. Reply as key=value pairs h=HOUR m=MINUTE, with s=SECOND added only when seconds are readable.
h=11 m=17
